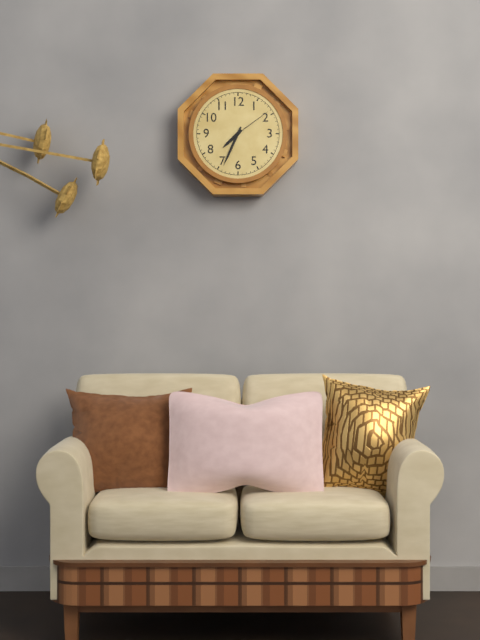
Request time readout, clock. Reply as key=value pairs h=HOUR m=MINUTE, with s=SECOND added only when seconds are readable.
h=7 m=34
